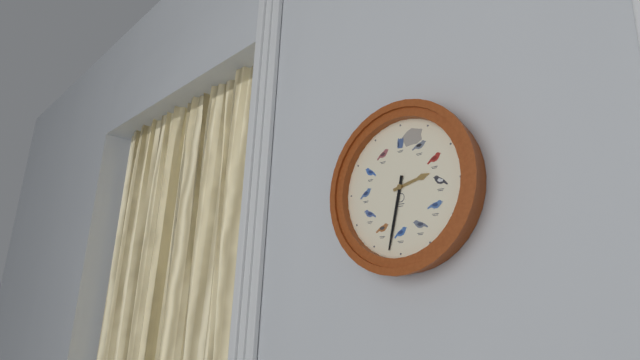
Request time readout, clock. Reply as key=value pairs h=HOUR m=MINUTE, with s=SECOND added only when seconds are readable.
h=2 m=32
